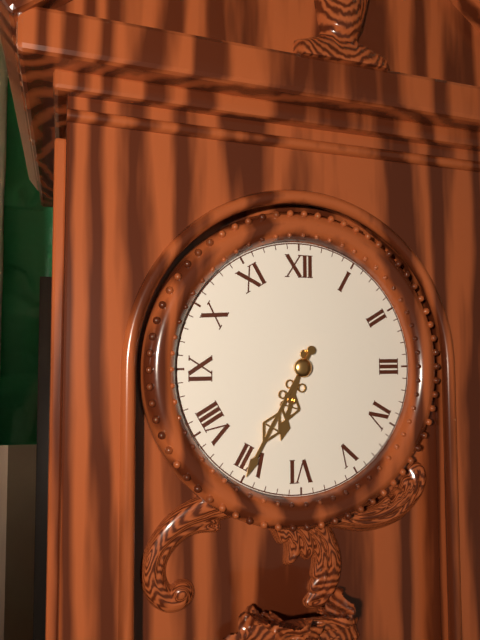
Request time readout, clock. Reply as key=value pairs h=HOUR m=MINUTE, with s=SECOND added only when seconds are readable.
h=6 m=35
